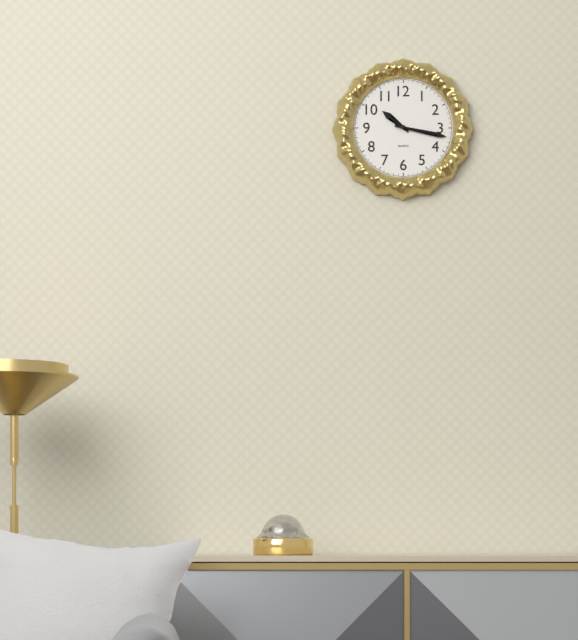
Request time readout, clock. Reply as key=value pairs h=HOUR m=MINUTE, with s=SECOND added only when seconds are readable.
h=10 m=17
